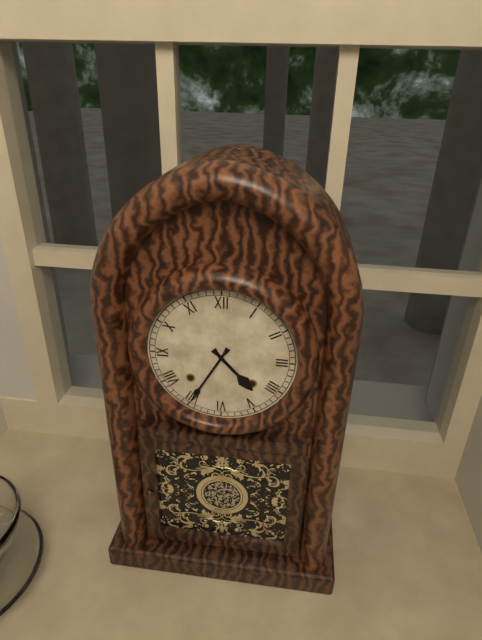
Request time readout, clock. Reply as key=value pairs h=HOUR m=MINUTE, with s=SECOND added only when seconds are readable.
h=4 m=35
